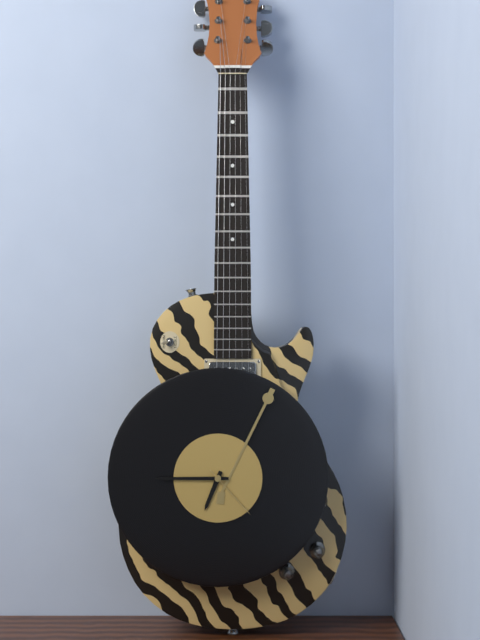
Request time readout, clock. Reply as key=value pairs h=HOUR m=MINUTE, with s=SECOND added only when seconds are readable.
h=6 m=45 s=23
